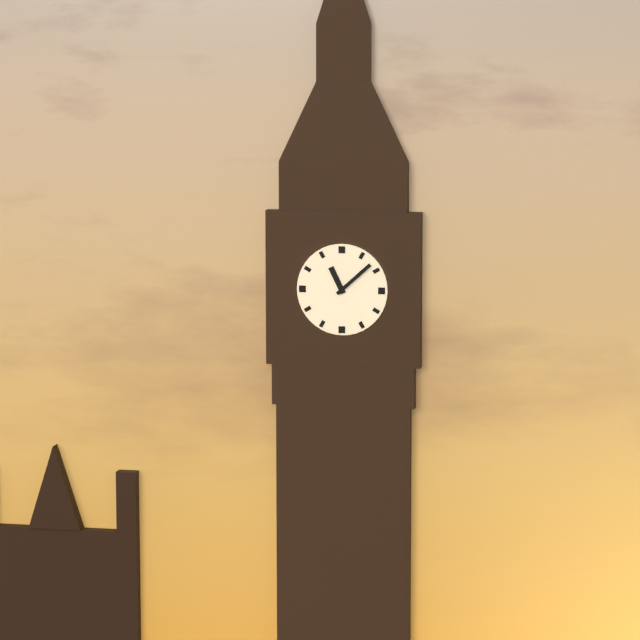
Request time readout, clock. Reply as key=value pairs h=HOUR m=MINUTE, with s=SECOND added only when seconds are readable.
h=11 m=8
